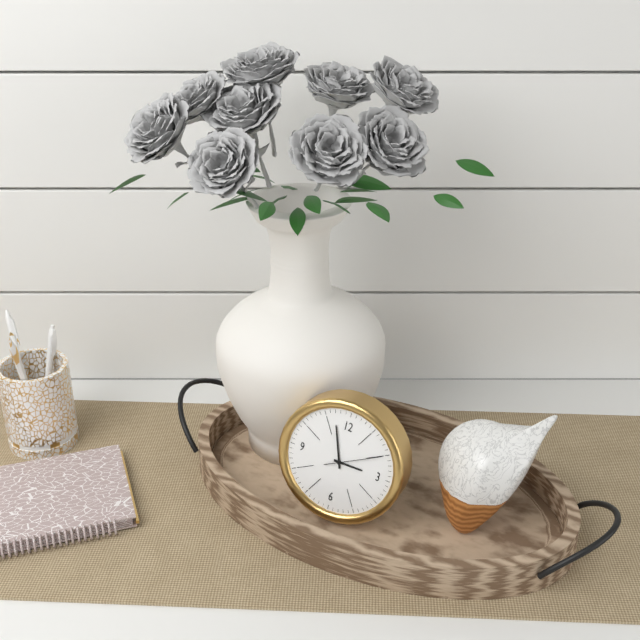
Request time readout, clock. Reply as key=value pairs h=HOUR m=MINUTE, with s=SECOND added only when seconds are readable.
h=2 m=57 s=10
